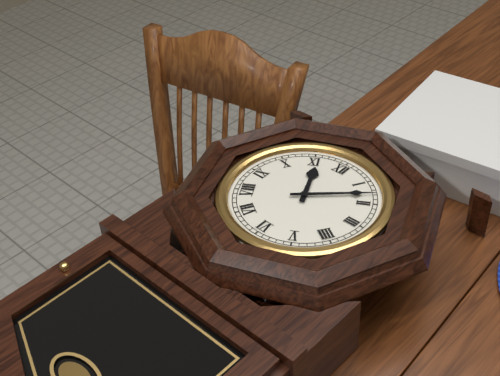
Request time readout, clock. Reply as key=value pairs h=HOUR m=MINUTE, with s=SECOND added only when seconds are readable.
h=11 m=8
